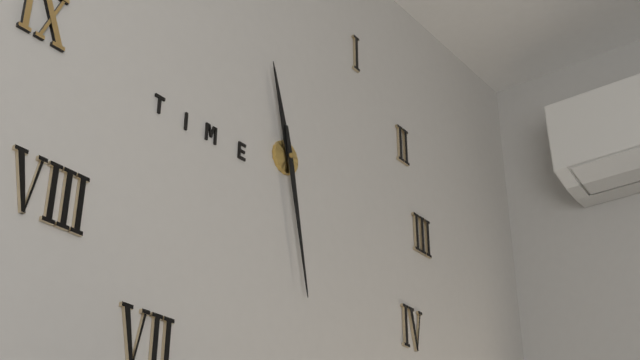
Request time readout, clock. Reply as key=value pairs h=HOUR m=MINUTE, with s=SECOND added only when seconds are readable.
h=11 m=28
